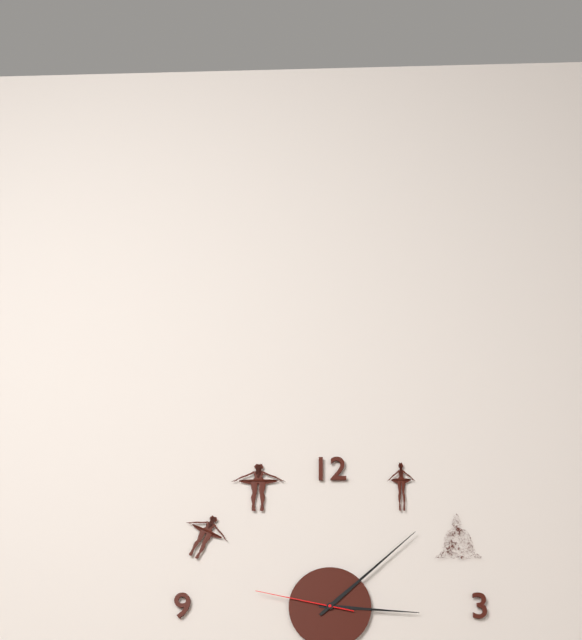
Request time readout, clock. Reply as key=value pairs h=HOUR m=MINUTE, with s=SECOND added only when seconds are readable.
h=3 m=8 s=47
